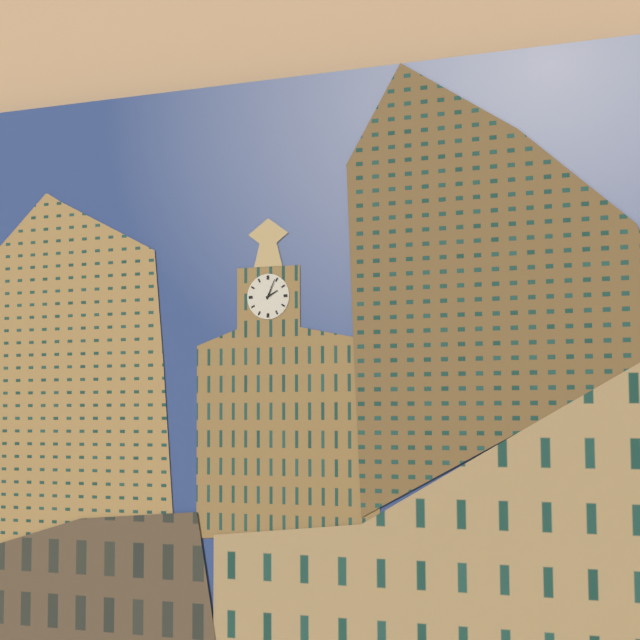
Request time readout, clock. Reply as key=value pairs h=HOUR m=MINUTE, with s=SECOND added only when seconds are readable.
h=2 m=4
